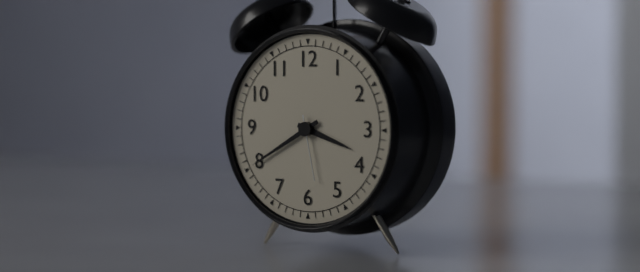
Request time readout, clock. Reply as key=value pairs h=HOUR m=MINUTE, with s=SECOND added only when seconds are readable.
h=3 m=40 s=28
